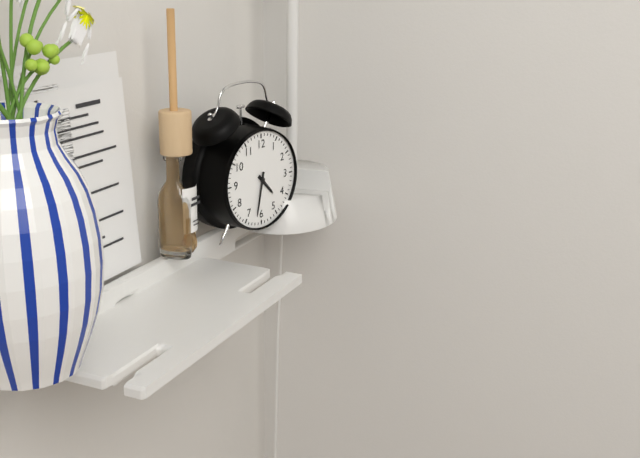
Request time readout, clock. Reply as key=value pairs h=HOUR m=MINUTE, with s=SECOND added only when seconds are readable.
h=4 m=32
